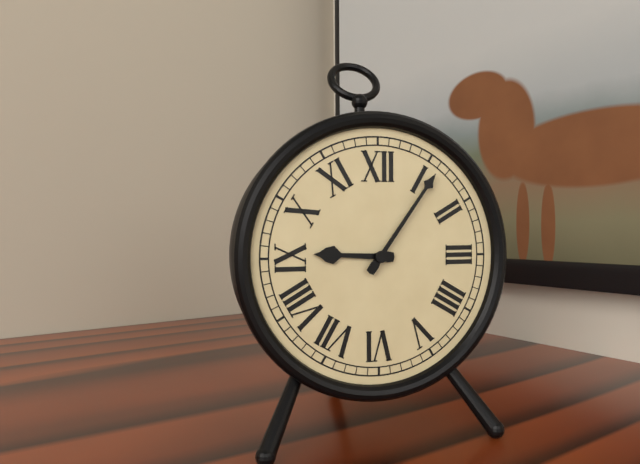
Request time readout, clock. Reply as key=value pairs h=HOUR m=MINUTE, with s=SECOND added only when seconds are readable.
h=9 m=6
